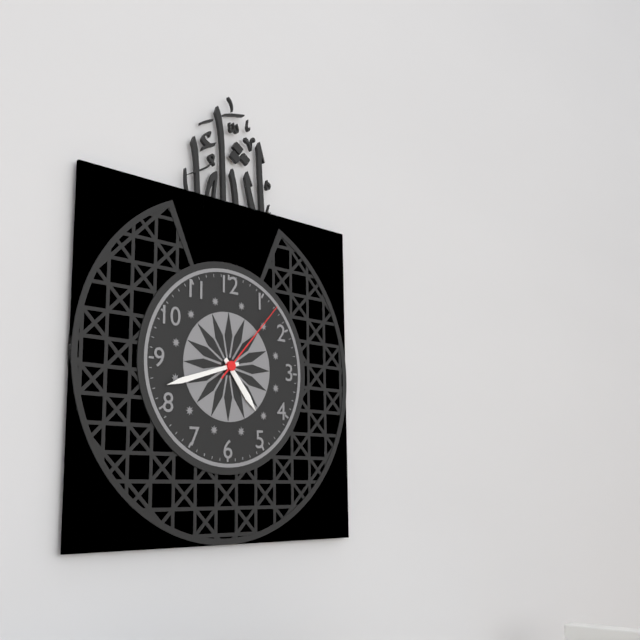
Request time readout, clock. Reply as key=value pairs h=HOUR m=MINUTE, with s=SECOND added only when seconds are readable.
h=4 m=42 s=7
